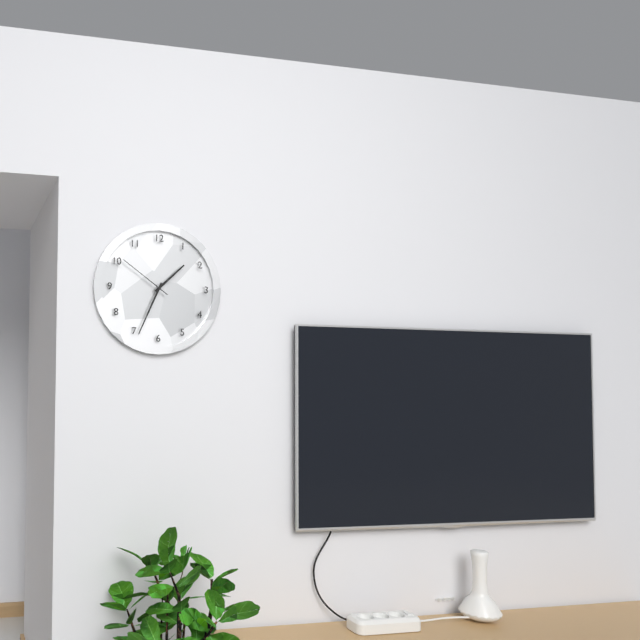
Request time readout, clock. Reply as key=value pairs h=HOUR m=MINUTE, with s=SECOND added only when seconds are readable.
h=1 m=34 s=51
